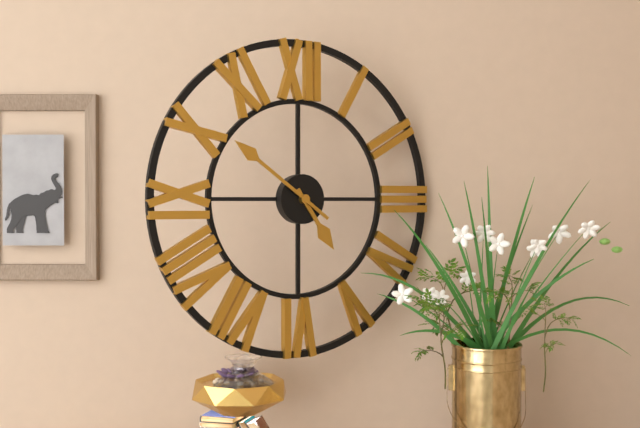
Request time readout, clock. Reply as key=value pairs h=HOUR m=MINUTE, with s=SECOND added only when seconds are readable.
h=4 m=51
